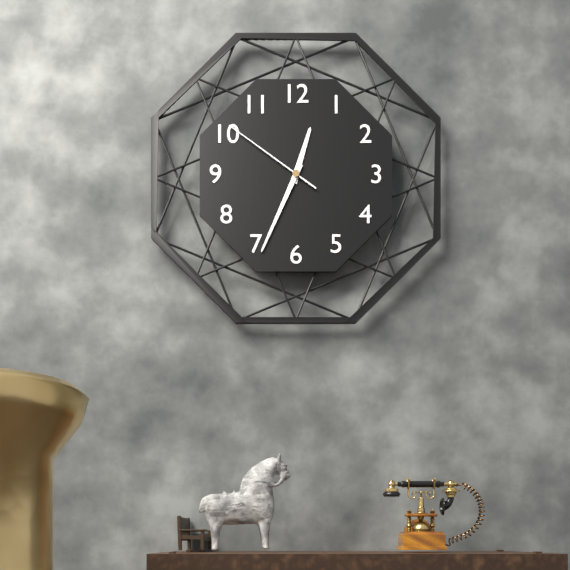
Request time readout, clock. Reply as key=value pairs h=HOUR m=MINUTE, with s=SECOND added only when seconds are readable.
h=12 m=34 s=51
